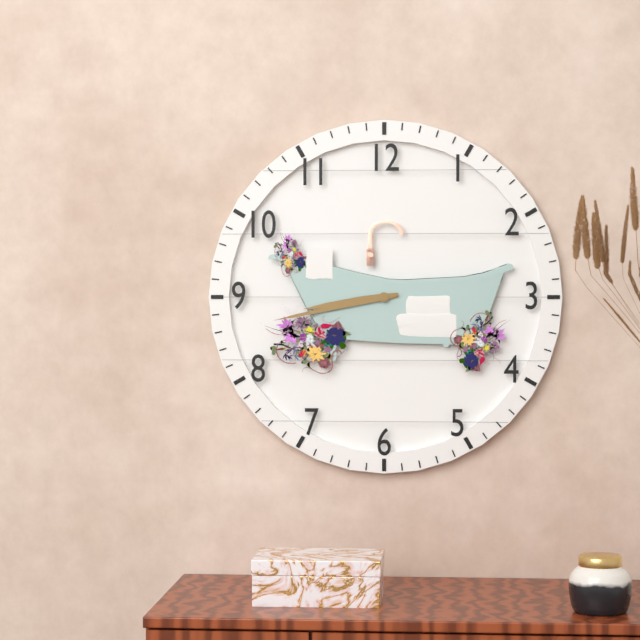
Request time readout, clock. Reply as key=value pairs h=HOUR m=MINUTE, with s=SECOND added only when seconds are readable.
h=8 m=43
